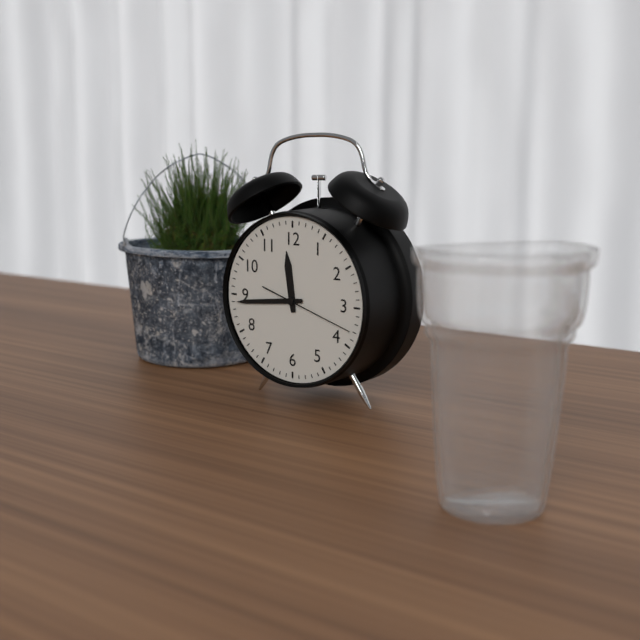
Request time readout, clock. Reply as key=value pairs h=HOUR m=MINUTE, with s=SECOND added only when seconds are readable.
h=11 m=44 s=18
